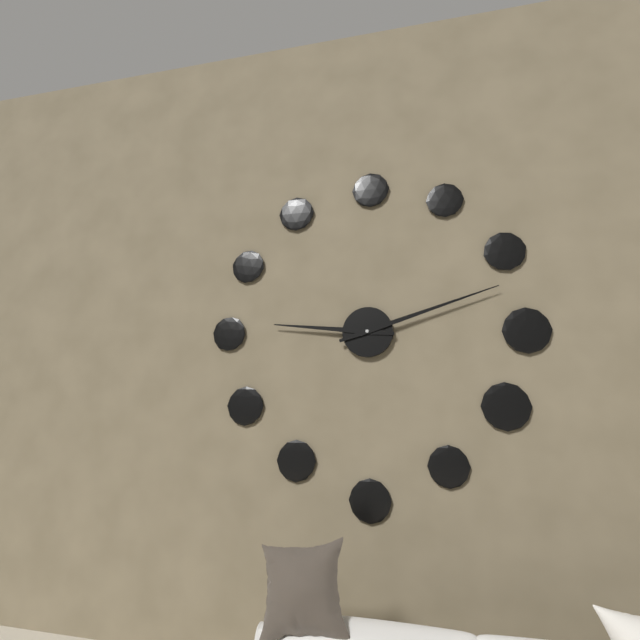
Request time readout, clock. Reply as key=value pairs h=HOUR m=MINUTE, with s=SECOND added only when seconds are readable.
h=9 m=12
